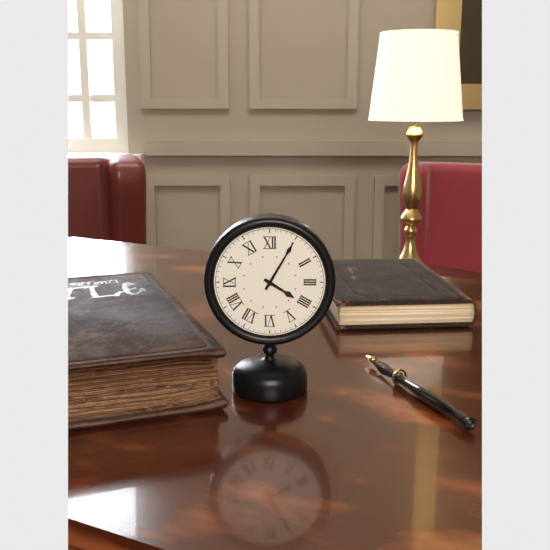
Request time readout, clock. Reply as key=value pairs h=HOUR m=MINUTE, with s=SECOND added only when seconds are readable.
h=4 m=5
